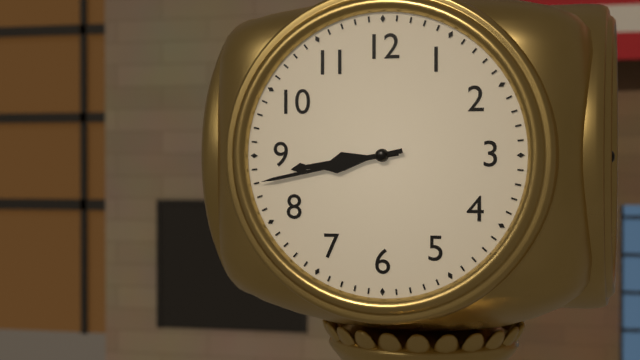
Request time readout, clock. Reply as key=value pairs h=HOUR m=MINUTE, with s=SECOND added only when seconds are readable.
h=8 m=43
